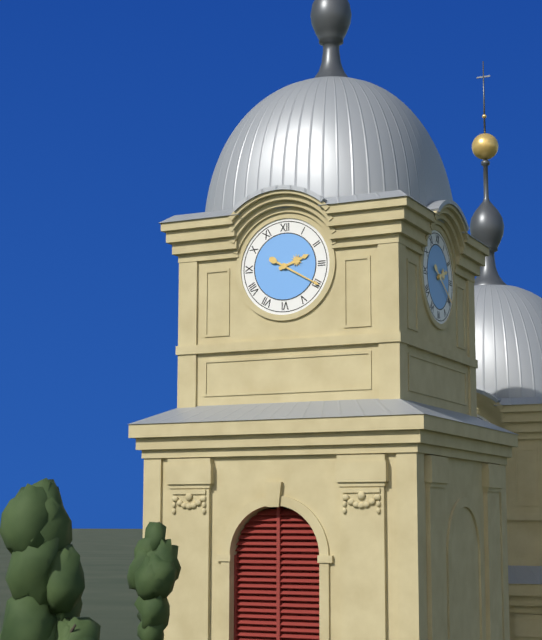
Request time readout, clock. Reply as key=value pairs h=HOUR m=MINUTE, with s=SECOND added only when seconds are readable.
h=2 m=20
